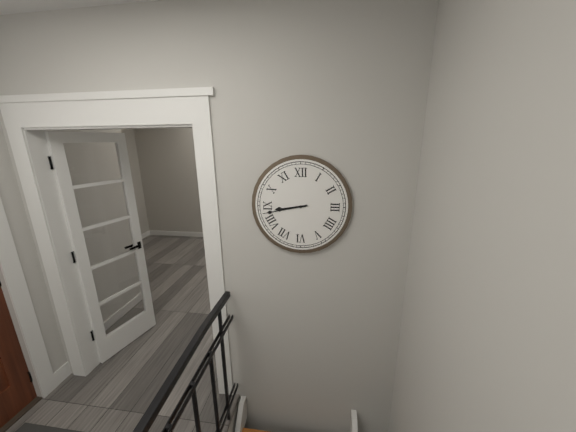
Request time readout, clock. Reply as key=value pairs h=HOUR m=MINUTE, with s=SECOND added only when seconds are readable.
h=8 m=43
